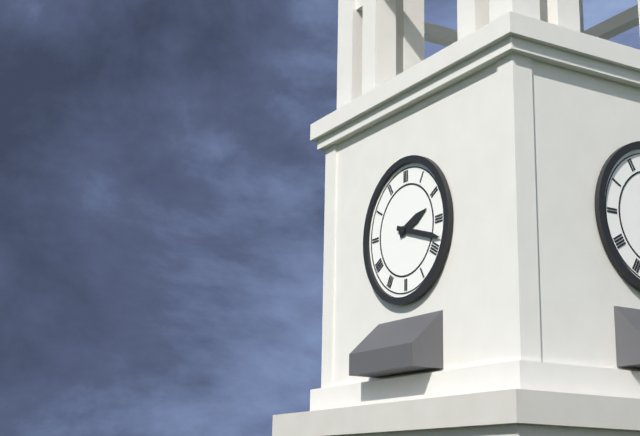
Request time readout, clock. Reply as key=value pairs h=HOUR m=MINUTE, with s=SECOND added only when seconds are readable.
h=2 m=18
